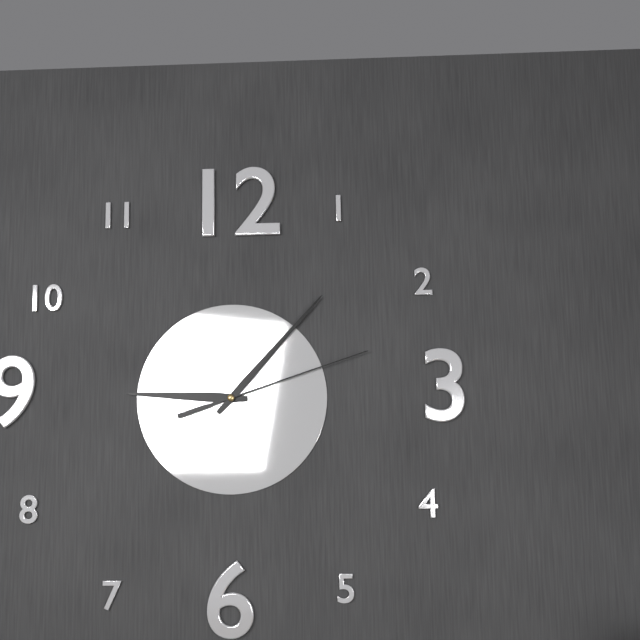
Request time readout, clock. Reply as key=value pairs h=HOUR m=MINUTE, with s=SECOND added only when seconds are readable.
h=9 m=7 s=12
